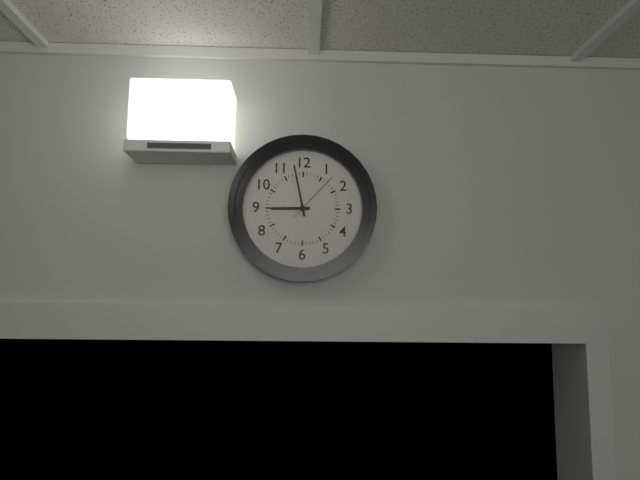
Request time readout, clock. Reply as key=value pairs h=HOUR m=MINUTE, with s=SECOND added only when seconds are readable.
h=8 m=58 s=7
